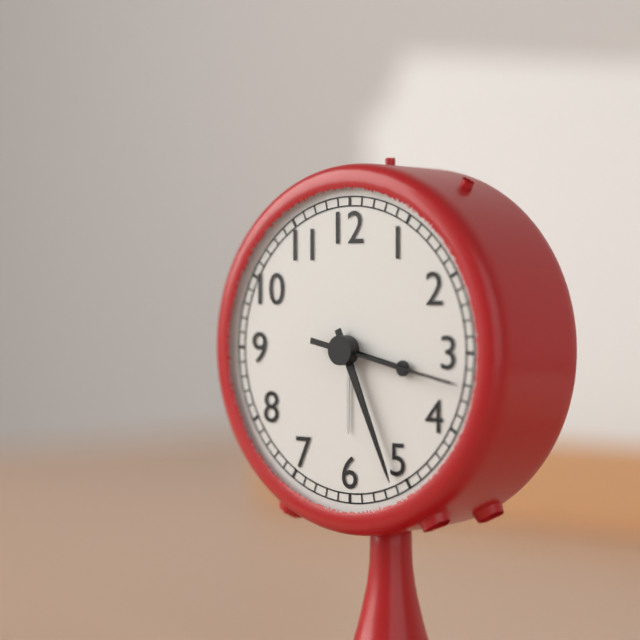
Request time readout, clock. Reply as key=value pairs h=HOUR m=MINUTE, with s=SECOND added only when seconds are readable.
h=3 m=26 s=17
